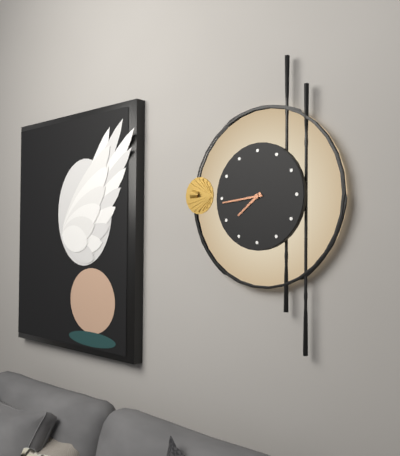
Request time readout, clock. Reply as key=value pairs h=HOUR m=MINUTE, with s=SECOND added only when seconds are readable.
h=7 m=44
